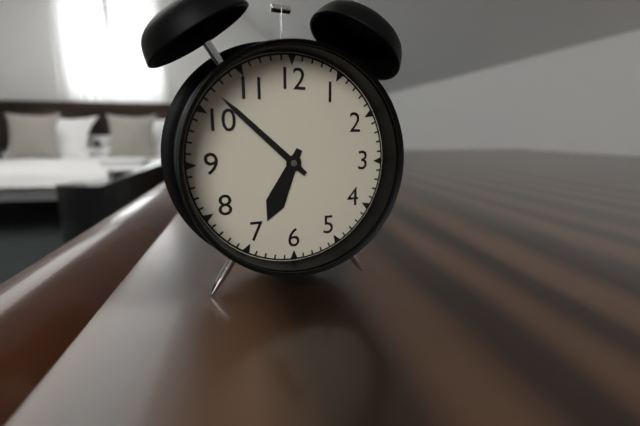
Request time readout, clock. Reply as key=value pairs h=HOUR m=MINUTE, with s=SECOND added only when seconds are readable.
h=6 m=52
